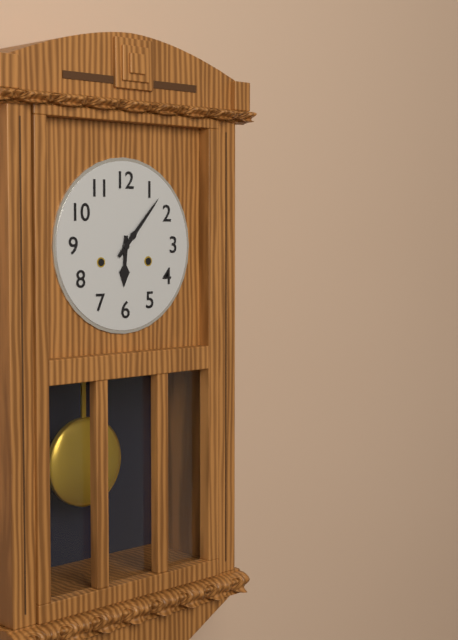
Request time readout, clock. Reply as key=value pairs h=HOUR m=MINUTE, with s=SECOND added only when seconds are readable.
h=6 m=7
